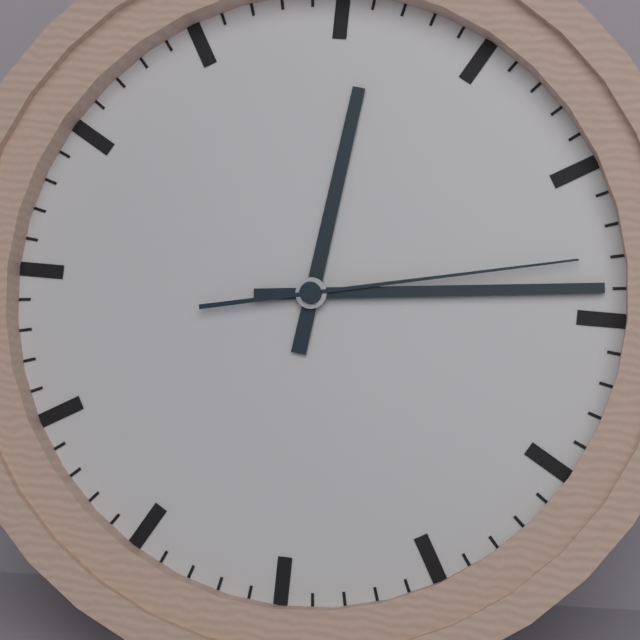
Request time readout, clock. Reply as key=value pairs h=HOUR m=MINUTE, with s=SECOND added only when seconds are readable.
h=12 m=14 s=13
